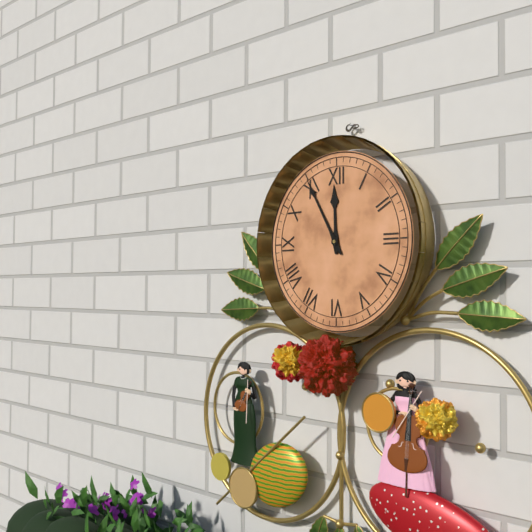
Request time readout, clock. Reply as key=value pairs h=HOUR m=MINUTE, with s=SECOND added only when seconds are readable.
h=11 m=55
